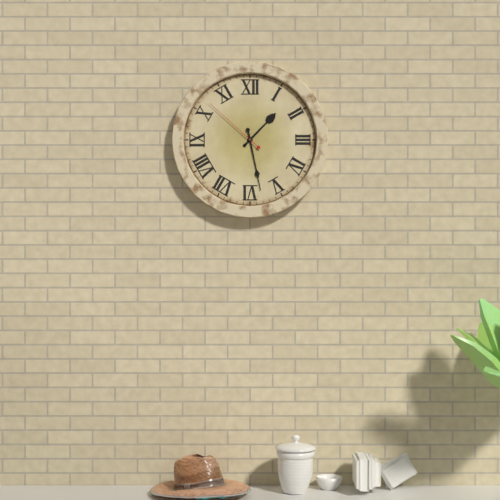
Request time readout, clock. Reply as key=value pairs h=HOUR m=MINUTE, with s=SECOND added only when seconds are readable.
h=1 m=28 s=52
